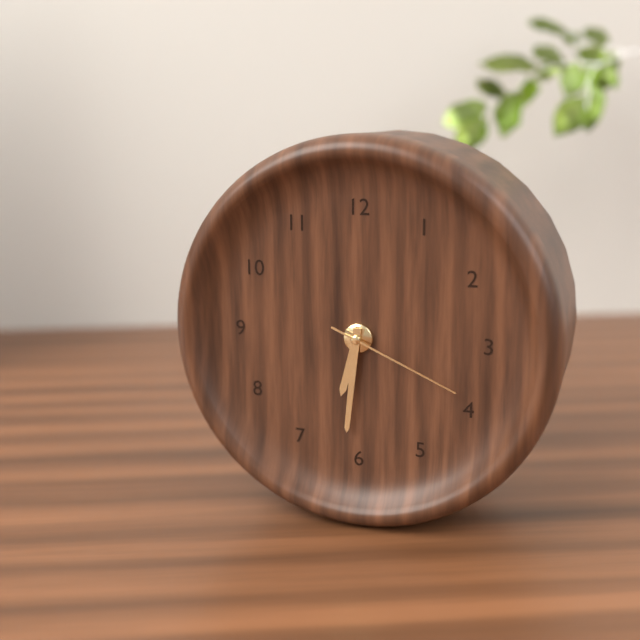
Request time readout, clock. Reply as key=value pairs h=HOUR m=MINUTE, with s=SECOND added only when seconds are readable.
h=6 m=31 s=19
